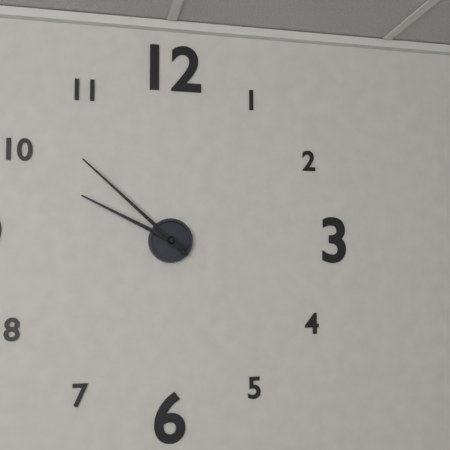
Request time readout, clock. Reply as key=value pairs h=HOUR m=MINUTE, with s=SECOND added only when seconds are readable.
h=9 m=52
